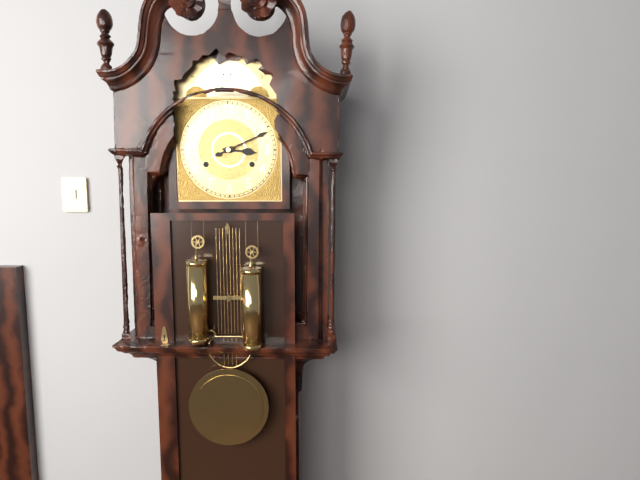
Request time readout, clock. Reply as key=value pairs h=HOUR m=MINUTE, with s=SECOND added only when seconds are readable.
h=3 m=11
